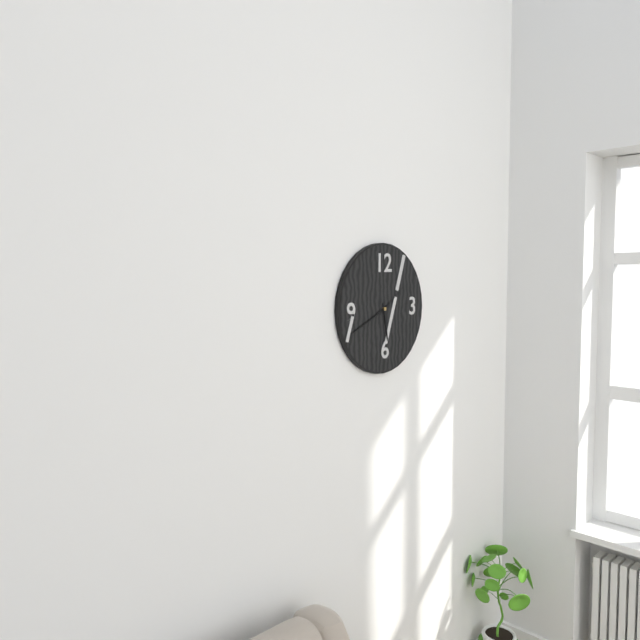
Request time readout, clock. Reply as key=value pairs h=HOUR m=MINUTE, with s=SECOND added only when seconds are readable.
h=5 m=41
